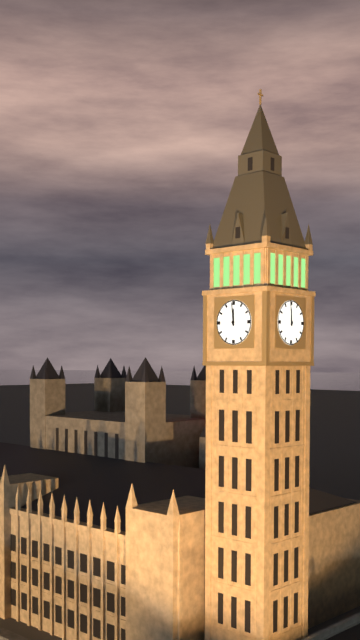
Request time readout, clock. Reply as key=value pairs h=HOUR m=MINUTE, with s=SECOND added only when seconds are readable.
h=11 m=59
